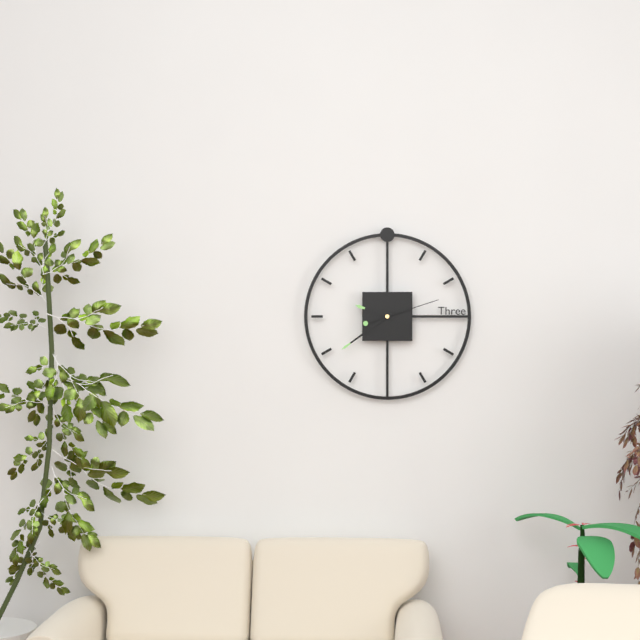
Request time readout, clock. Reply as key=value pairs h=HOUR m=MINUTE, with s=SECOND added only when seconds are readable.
h=9 m=39 s=12
